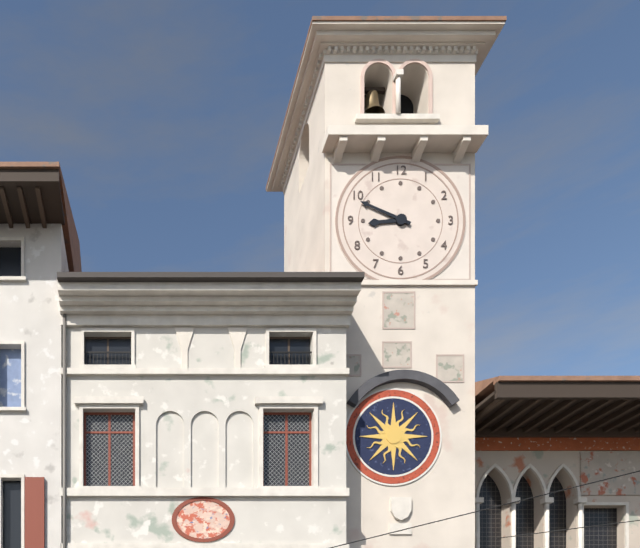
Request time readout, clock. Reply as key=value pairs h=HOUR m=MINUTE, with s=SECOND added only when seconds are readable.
h=8 m=49
